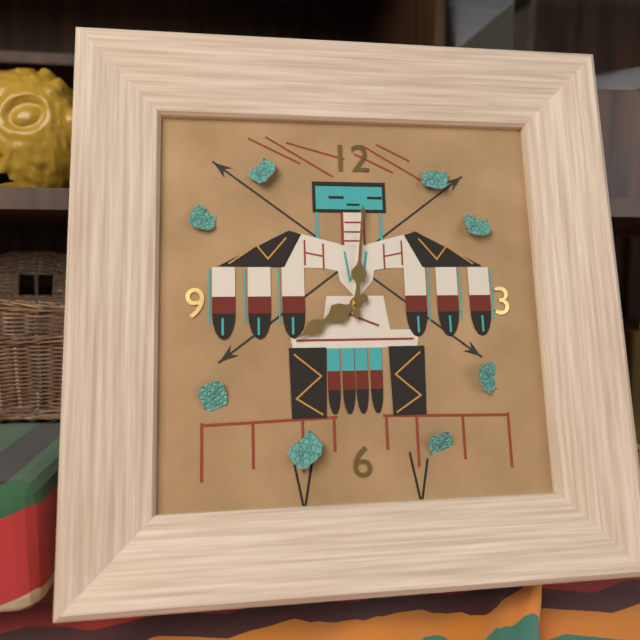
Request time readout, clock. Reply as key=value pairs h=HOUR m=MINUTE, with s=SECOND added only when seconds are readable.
h=8 m=1
